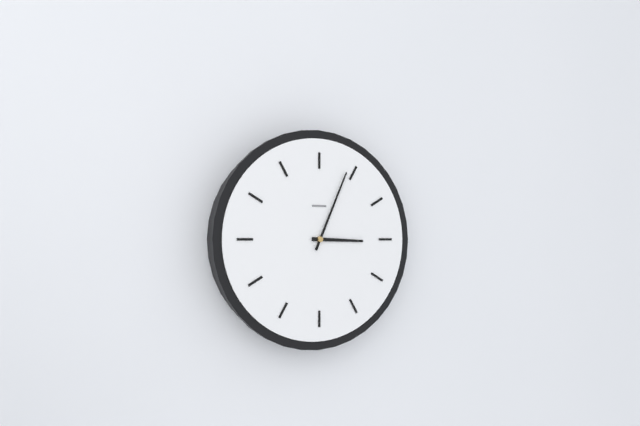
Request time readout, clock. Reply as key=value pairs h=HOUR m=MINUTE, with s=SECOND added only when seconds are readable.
h=3 m=4
